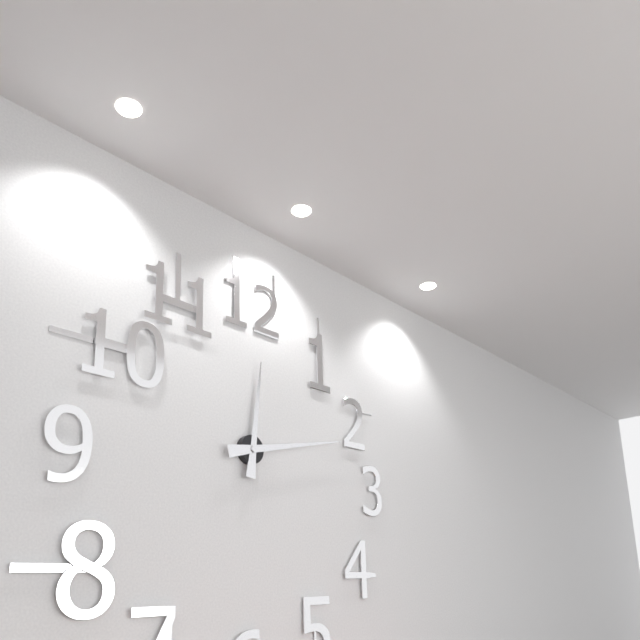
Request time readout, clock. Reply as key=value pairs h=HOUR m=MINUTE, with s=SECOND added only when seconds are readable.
h=12 m=13
